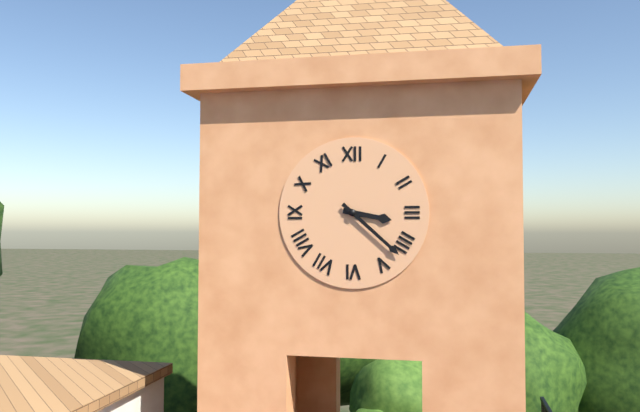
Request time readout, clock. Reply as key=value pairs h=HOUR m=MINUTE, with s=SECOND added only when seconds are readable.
h=3 m=22
